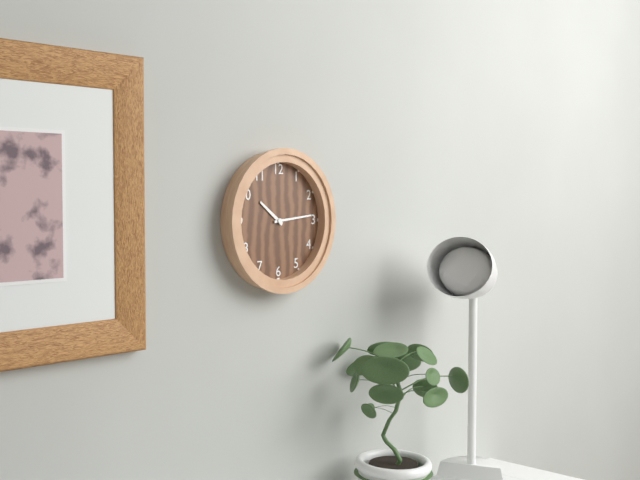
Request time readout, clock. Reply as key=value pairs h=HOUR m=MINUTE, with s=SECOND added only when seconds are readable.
h=10 m=14
